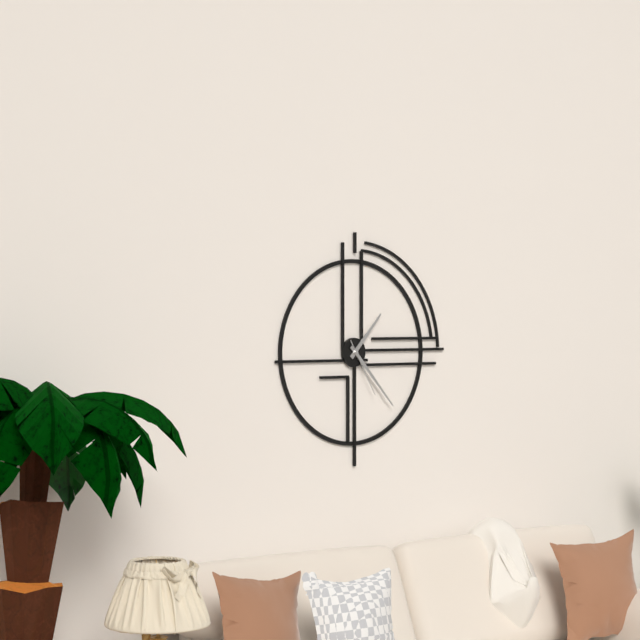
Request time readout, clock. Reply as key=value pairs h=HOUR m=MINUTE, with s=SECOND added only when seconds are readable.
h=1 m=23 s=25
